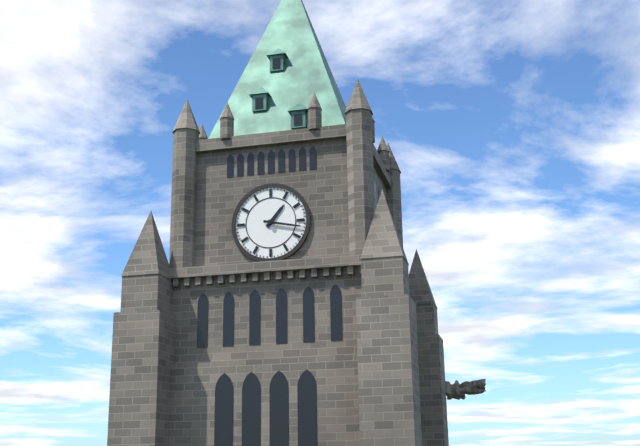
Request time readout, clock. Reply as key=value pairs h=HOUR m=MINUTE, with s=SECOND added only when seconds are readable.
h=1 m=17
